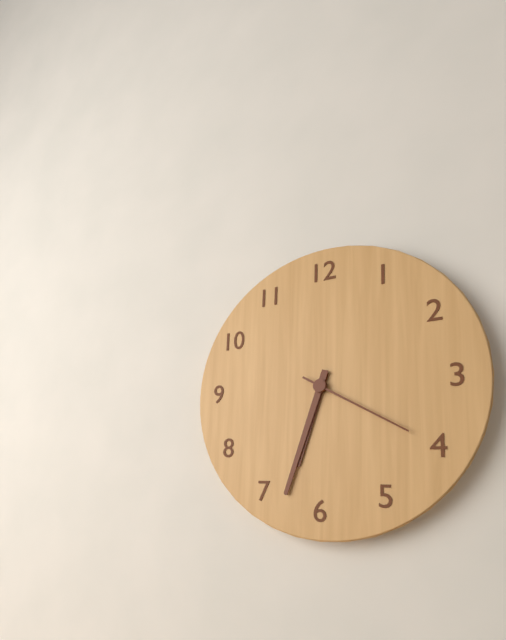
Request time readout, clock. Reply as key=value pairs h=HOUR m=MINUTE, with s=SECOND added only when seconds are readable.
h=6 m=33 s=20
